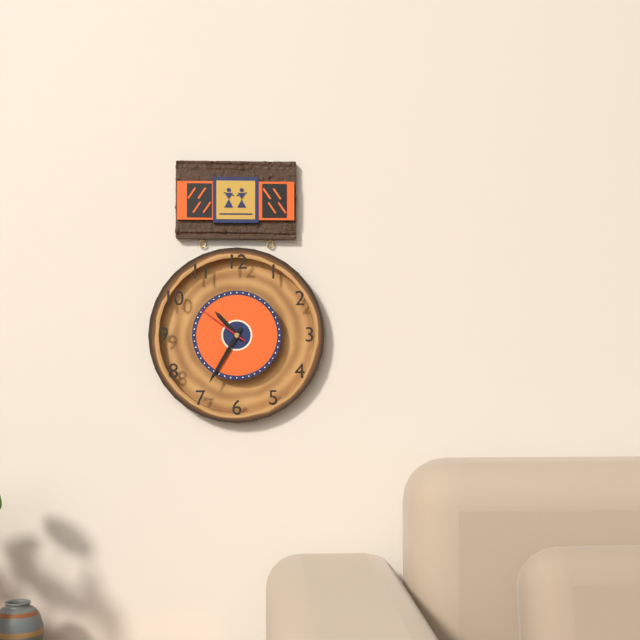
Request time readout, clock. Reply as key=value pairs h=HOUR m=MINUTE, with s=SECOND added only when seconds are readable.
h=10 m=35 s=51
